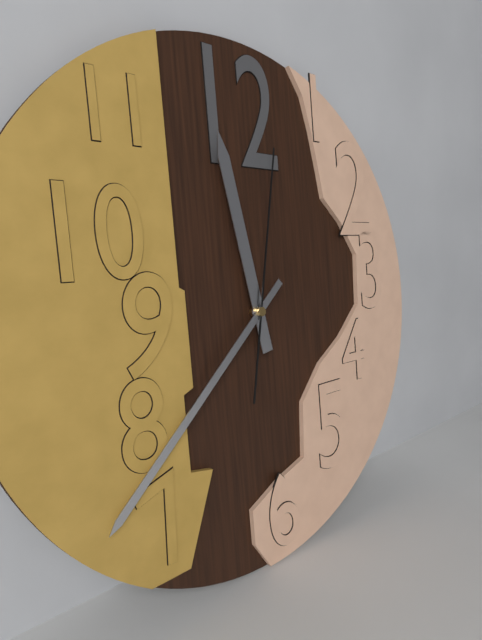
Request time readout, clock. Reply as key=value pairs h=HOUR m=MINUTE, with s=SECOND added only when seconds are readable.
h=11 m=38 s=2
